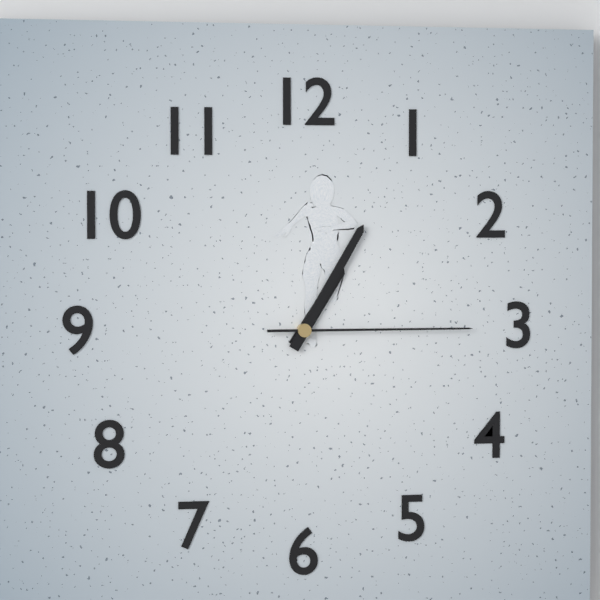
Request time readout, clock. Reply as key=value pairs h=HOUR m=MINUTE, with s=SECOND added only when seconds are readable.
h=1 m=5 s=15
